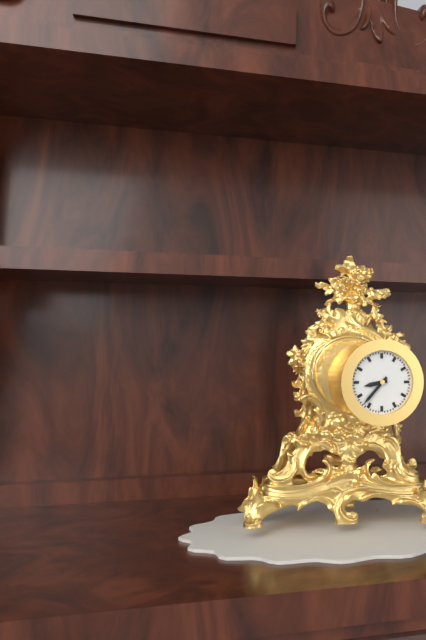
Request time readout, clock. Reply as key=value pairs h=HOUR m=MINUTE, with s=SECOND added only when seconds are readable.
h=8 m=37
